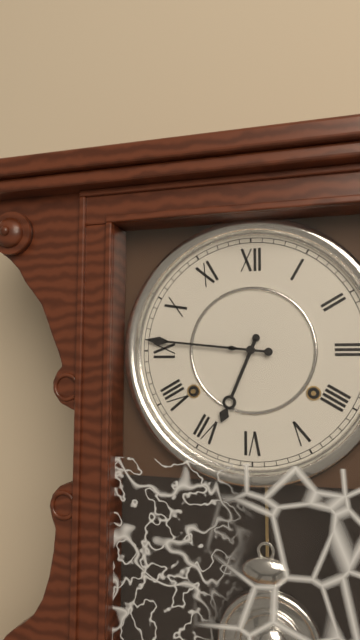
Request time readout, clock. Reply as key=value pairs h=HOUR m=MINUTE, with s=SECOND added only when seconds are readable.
h=6 m=46
